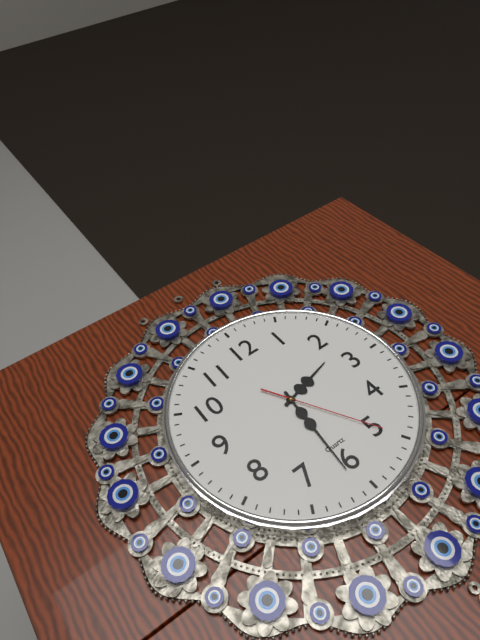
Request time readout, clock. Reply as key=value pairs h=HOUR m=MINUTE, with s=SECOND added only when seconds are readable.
h=2 m=31 s=25
